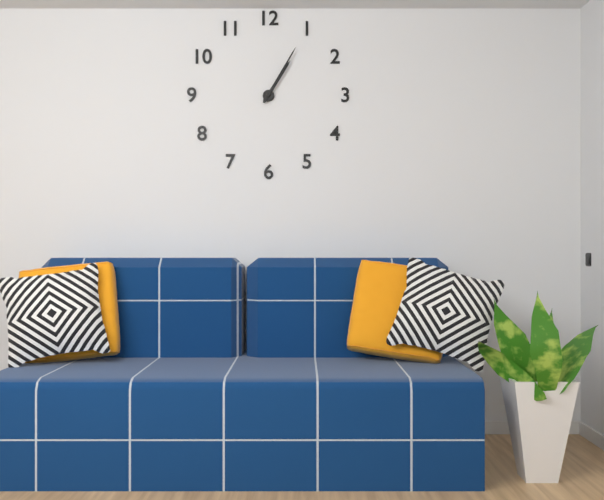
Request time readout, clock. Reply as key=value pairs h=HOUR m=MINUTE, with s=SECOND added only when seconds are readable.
h=1 m=5
